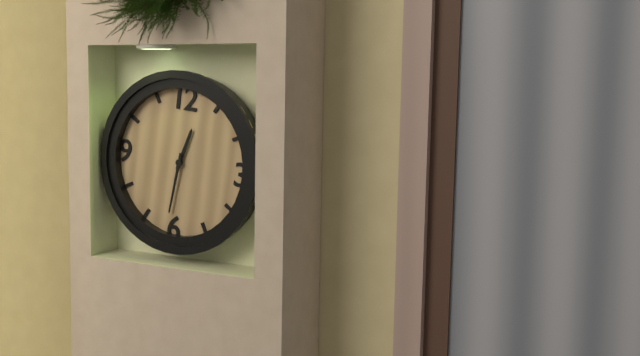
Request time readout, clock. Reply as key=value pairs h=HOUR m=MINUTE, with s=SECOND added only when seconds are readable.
h=12 m=31
